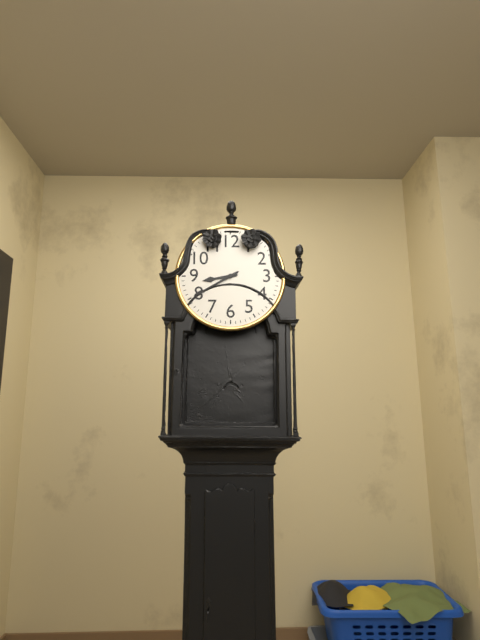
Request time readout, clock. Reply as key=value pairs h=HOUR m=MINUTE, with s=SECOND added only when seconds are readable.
h=8 m=40
